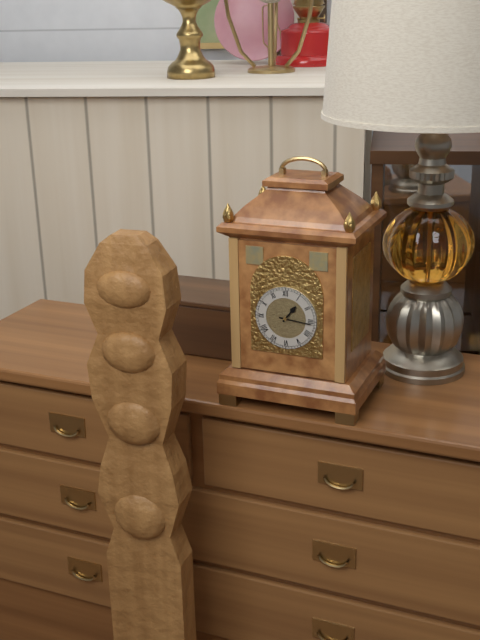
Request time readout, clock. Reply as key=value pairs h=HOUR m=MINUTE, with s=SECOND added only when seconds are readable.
h=1 m=16
